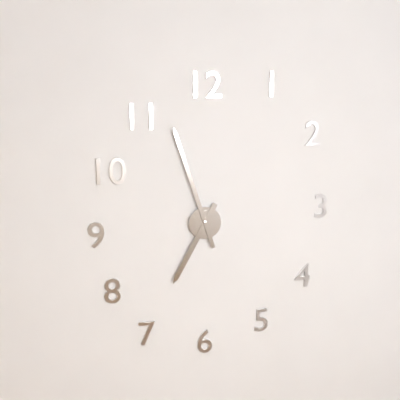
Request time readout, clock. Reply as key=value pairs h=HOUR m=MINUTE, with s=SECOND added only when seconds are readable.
h=6 m=57
